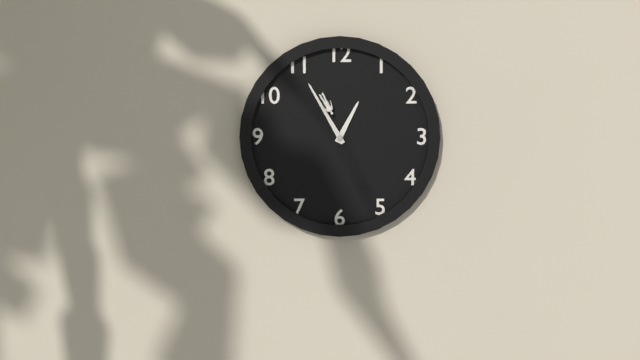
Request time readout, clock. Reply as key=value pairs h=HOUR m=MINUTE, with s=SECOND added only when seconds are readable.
h=12 m=55
